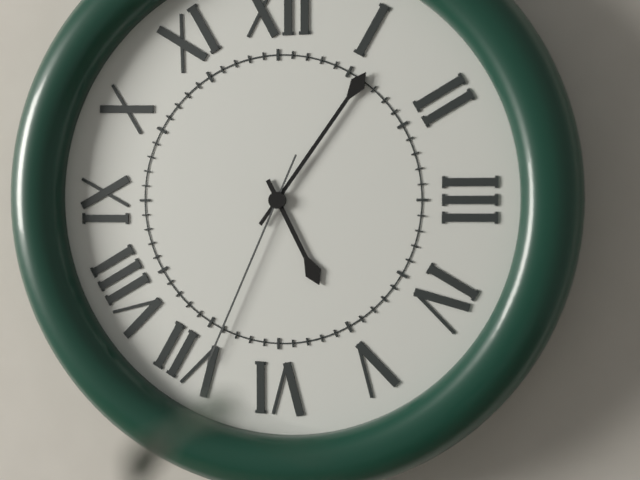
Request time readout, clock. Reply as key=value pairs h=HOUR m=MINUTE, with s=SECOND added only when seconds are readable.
h=5 m=6 s=34
